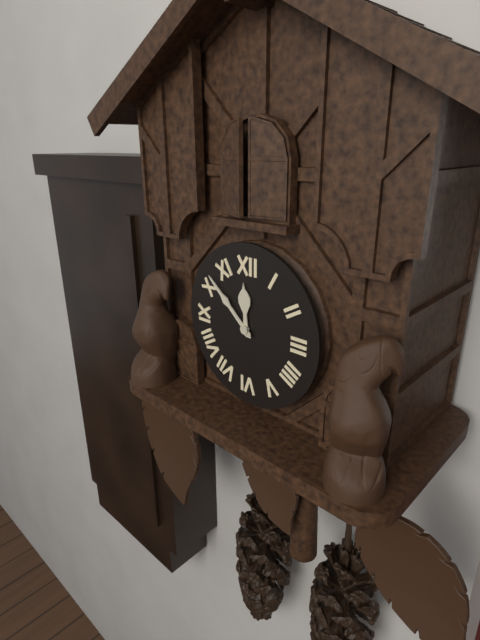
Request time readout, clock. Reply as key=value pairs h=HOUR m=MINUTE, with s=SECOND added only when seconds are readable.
h=11 m=52
